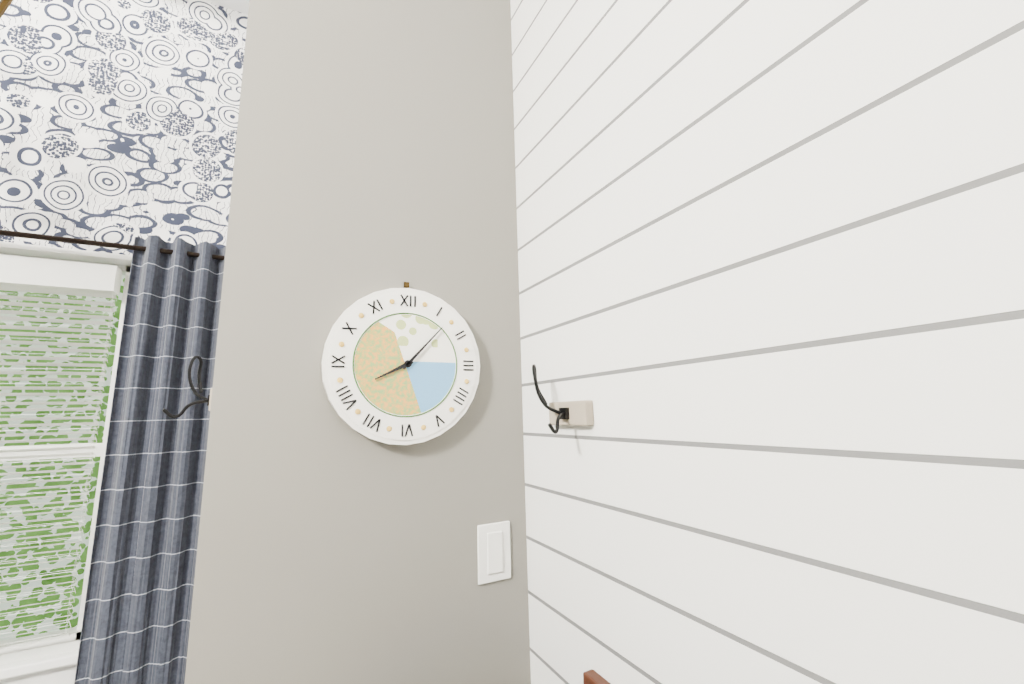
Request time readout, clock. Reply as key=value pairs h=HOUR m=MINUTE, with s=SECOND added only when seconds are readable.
h=8 m=7
